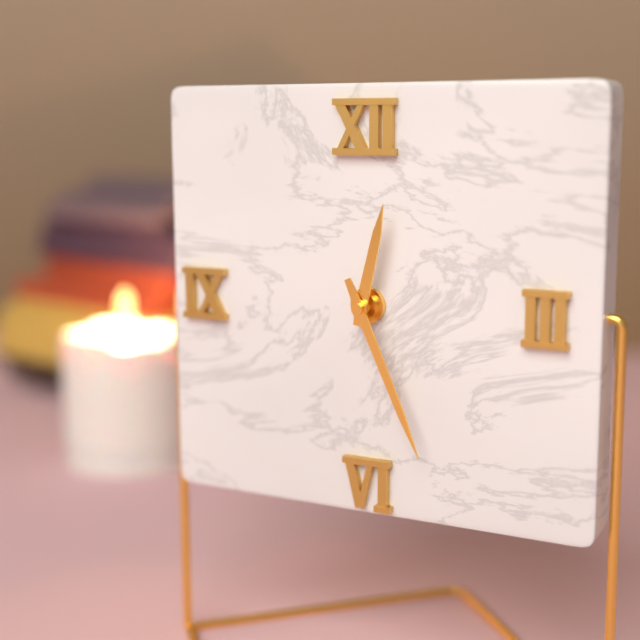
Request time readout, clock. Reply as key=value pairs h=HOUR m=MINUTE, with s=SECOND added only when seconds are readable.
h=12 m=26
